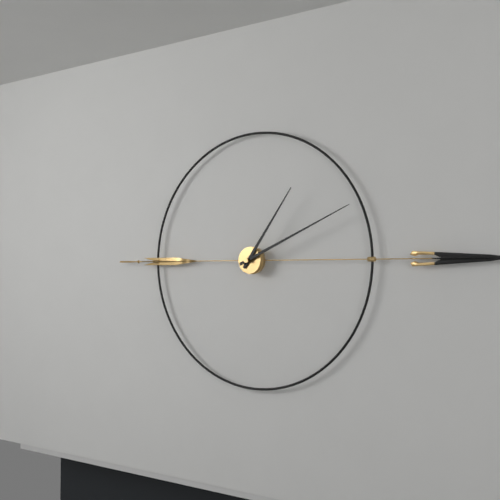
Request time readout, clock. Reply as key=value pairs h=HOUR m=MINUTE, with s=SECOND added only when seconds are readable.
h=1 m=11
